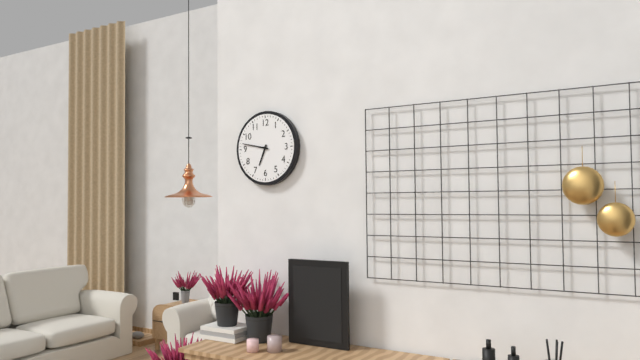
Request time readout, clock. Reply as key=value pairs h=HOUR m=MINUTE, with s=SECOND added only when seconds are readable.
h=6 m=47
